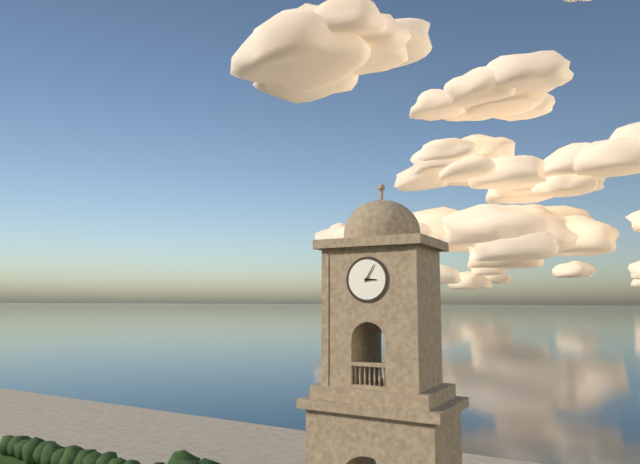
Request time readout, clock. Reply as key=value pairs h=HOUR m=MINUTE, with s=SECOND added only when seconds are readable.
h=3 m=5
